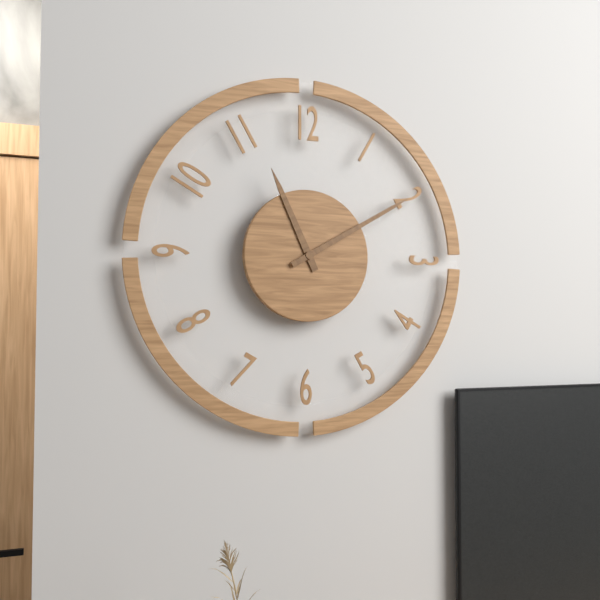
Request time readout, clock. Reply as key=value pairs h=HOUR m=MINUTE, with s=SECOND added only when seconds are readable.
h=11 m=10
